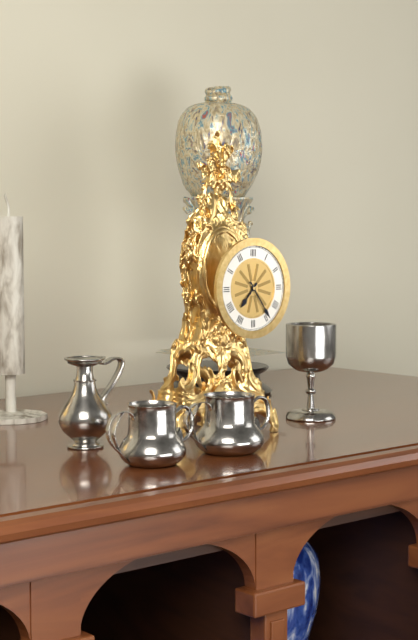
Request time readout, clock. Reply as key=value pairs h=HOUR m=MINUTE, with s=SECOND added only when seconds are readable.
h=7 m=24
